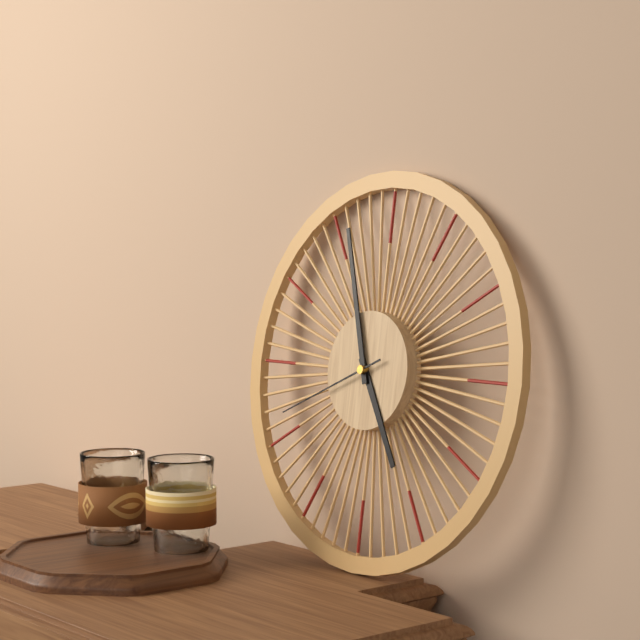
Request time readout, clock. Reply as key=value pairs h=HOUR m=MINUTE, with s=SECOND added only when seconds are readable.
h=4 m=57 s=41
